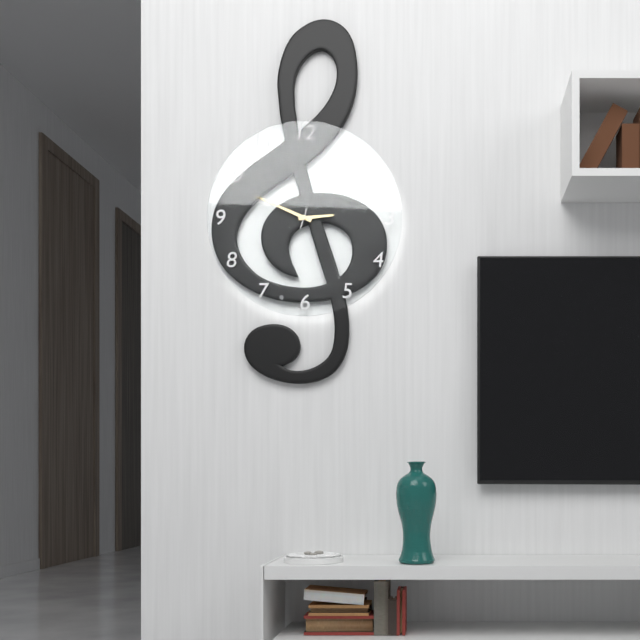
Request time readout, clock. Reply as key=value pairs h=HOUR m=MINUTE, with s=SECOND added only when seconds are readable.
h=2 m=49 s=3
